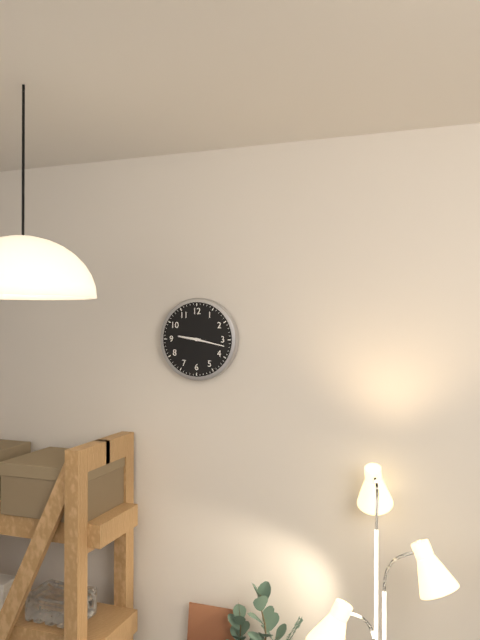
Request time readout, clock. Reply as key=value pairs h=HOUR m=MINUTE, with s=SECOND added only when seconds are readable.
h=9 m=17
